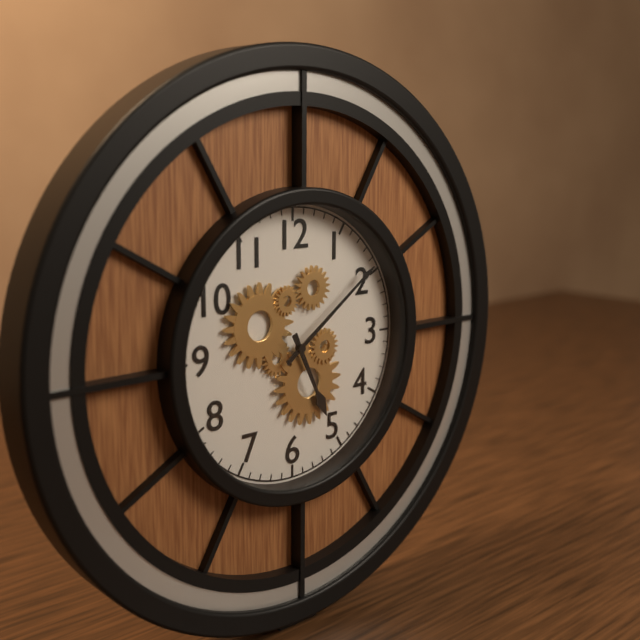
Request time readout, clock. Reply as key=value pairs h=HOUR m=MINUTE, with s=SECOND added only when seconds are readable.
h=5 m=9
